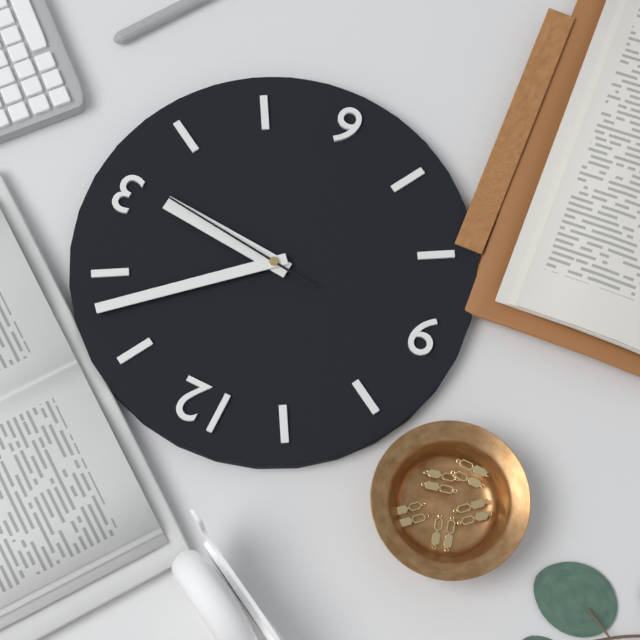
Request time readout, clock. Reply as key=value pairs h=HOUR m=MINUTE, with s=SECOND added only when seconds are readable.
h=3 m=8 s=16
